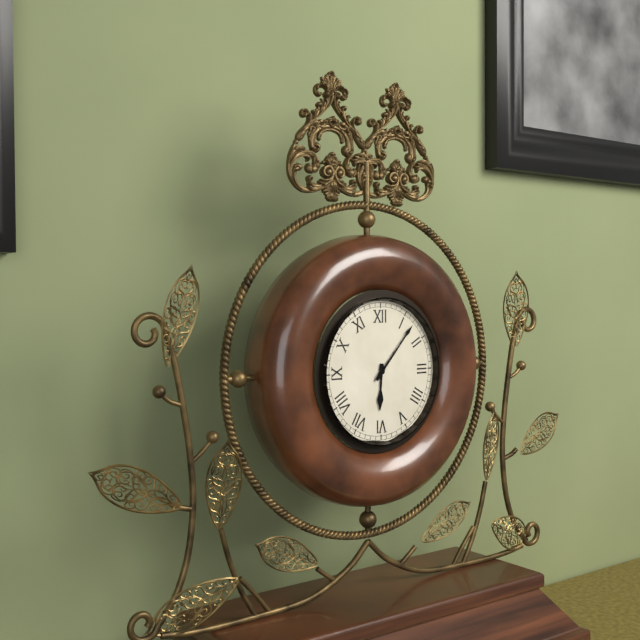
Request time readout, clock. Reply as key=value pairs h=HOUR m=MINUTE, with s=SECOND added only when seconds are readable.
h=6 m=7
